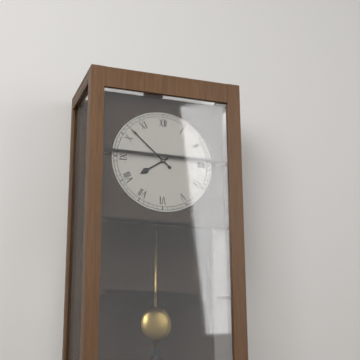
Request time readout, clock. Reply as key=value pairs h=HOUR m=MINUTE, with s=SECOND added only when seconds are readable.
h=7 m=52
